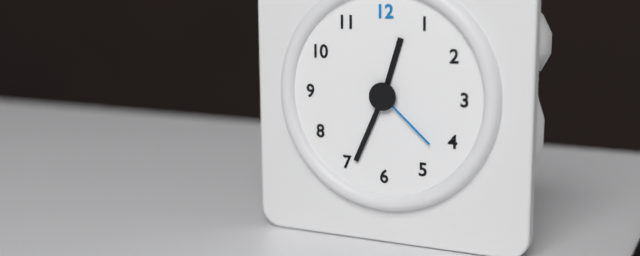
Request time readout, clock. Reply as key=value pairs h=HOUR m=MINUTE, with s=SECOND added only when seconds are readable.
h=12 m=34 s=22
